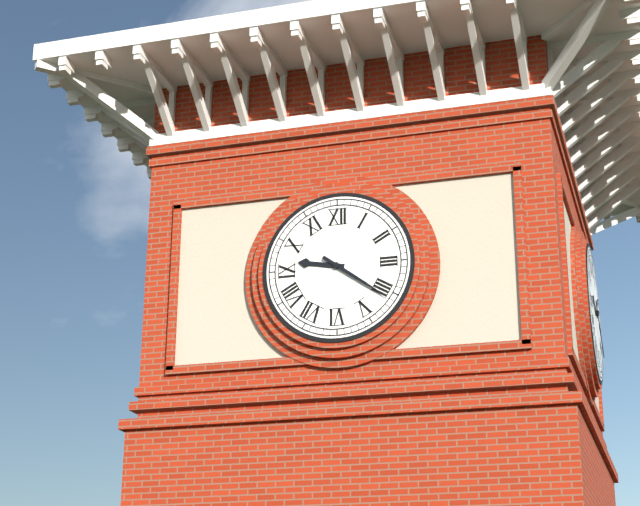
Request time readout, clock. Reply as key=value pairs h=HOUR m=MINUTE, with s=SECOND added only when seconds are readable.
h=9 m=21
